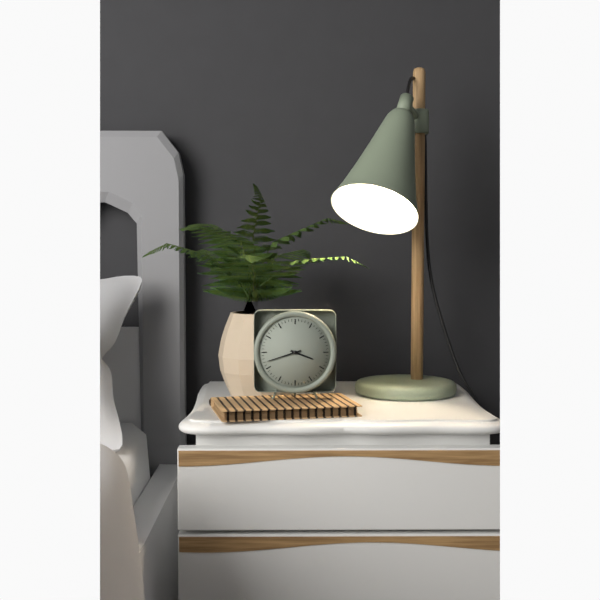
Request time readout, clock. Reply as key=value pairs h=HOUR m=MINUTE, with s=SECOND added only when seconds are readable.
h=3 m=42
